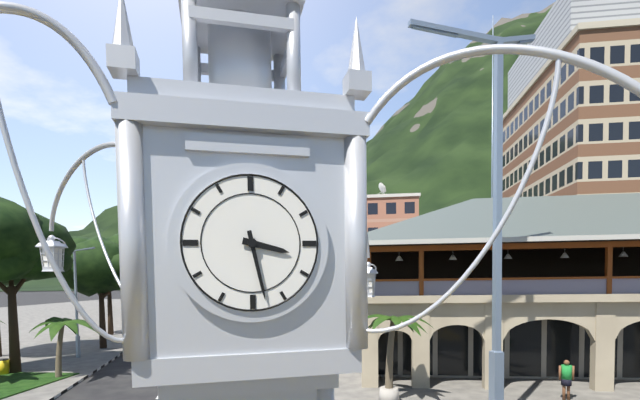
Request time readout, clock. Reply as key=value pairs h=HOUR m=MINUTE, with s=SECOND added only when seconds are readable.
h=3 m=28
